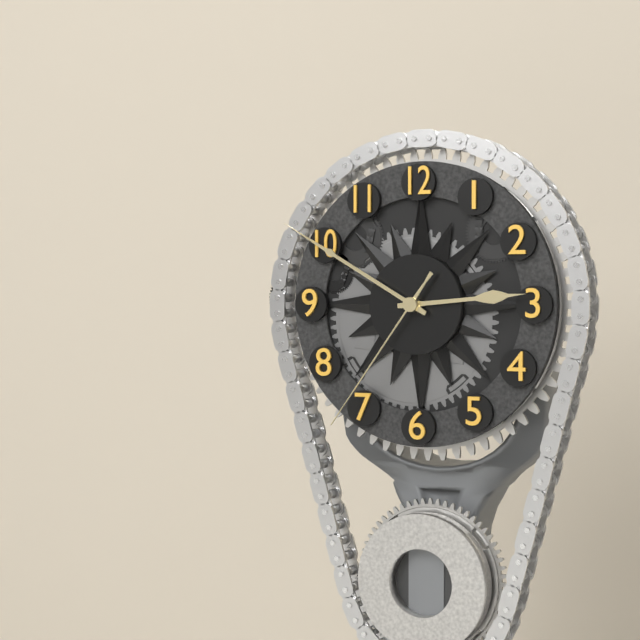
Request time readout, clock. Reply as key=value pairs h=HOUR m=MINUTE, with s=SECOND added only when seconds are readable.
h=2 m=50 s=36
